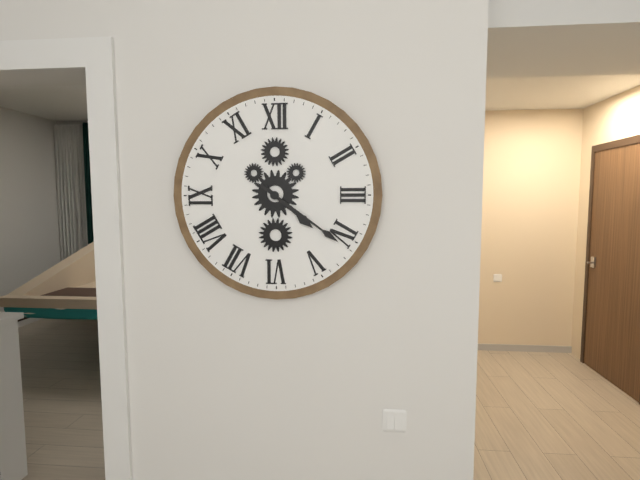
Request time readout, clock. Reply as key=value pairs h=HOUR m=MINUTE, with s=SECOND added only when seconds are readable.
h=4 m=21
